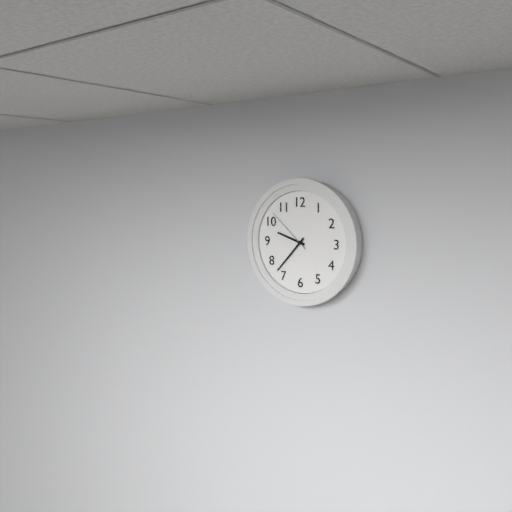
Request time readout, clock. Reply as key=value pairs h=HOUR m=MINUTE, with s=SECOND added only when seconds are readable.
h=9 m=37 s=52
